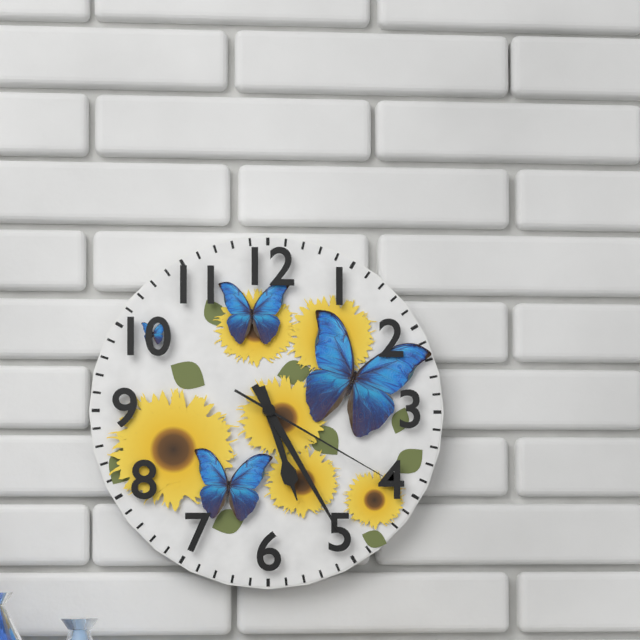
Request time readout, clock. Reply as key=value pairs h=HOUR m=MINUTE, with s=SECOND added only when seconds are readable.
h=5 m=25 s=20
